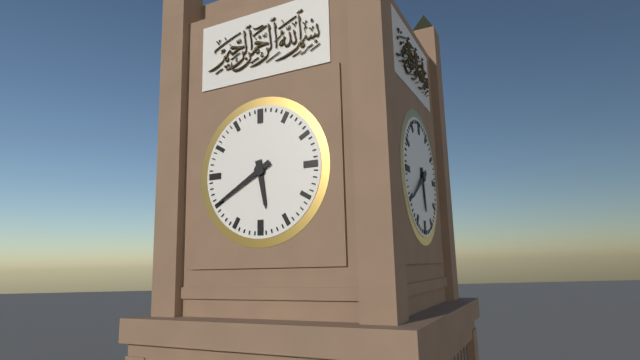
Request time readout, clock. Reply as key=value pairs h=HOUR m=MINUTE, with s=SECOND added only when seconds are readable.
h=5 m=40
